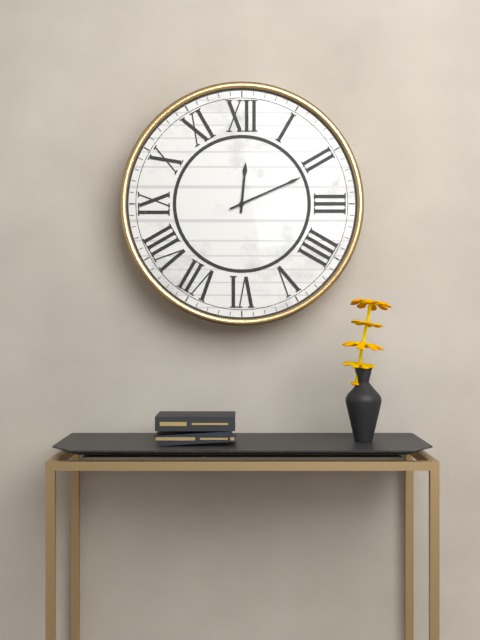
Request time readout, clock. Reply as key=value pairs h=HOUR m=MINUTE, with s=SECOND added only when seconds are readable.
h=12 m=11
